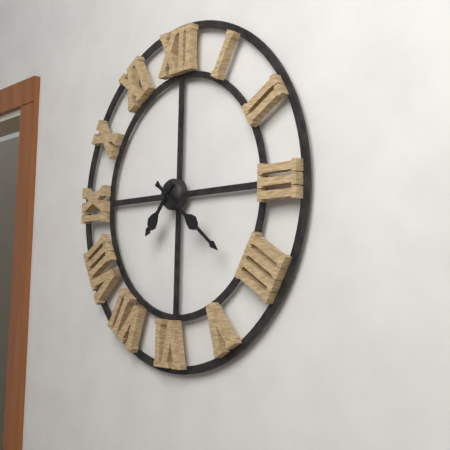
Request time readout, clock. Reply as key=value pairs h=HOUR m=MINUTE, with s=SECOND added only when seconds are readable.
h=7 m=21
